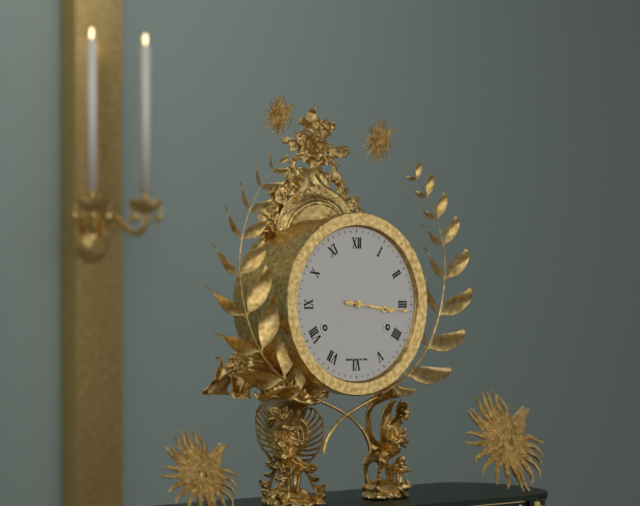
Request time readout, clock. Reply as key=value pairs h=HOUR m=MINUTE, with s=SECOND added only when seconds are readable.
h=3 m=16
